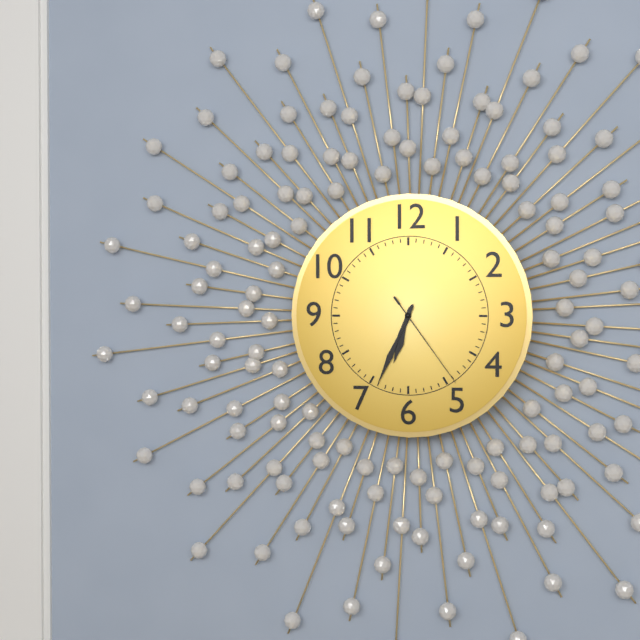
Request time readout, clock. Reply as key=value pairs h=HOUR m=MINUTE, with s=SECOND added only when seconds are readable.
h=6 m=34 s=24
